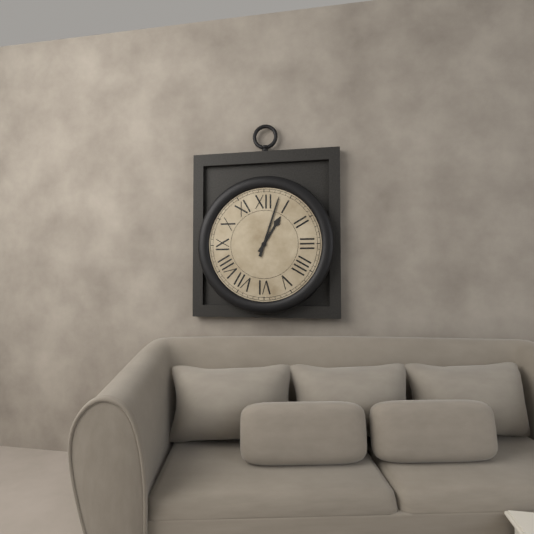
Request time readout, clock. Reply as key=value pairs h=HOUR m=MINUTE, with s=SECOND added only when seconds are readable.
h=1 m=3
